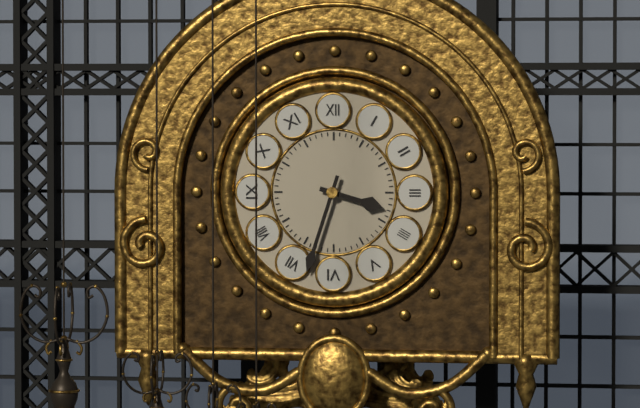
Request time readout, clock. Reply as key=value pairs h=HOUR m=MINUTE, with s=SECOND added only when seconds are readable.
h=3 m=33
